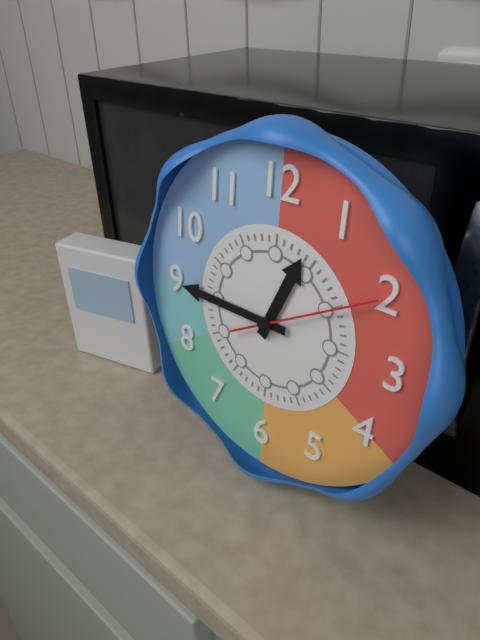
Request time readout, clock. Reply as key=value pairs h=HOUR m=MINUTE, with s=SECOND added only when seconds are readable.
h=12 m=45 s=10
